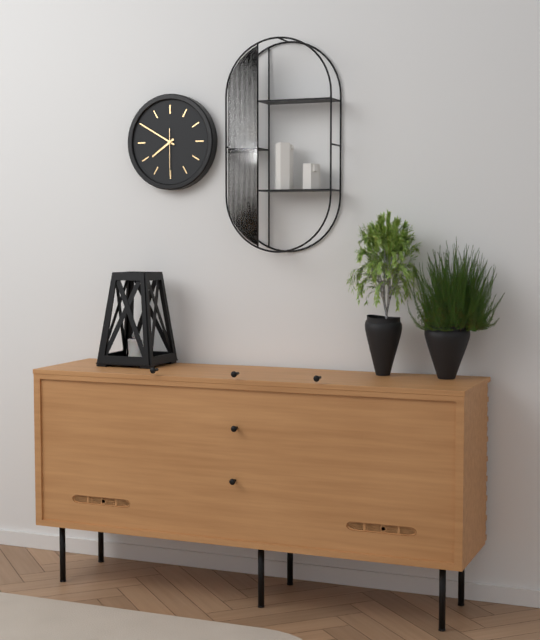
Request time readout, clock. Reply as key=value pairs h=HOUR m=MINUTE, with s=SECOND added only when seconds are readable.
h=7 m=50
